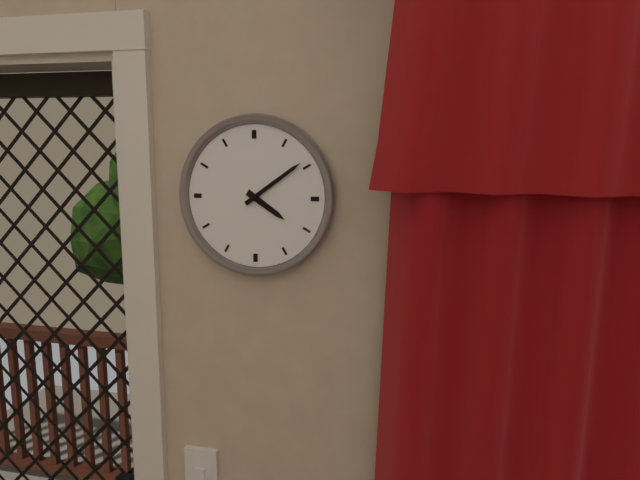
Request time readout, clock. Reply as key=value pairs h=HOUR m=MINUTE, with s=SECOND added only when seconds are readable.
h=4 m=9
